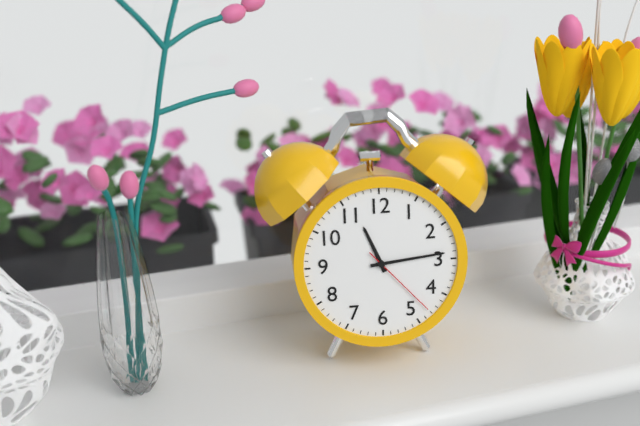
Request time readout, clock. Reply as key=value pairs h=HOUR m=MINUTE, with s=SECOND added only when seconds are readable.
h=11 m=14 s=23
